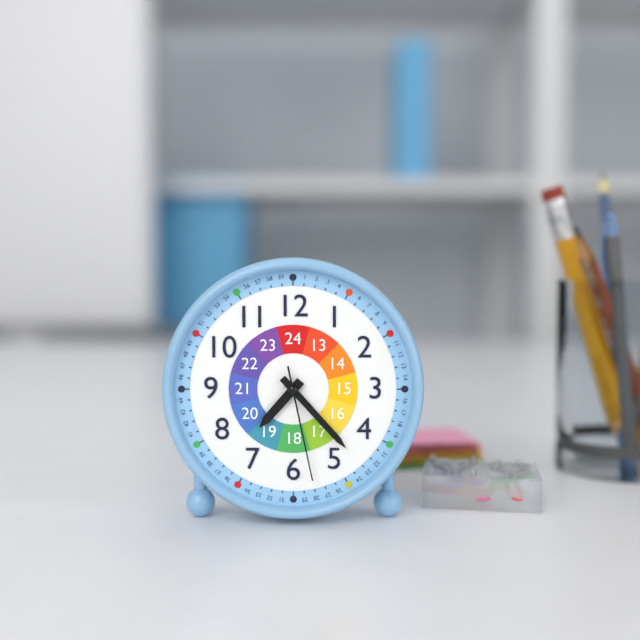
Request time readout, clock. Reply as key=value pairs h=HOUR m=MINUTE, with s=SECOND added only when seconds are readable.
h=7 m=23 s=28
